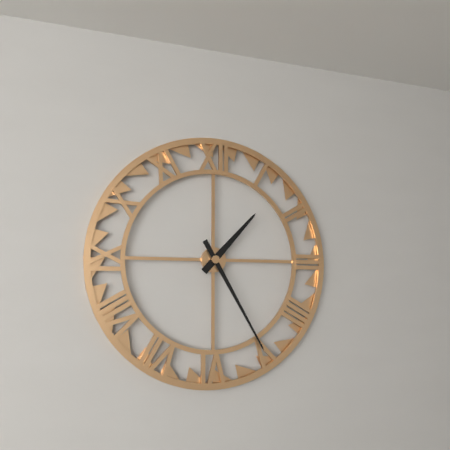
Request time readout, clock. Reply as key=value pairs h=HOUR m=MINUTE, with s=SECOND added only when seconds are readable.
h=1 m=25
